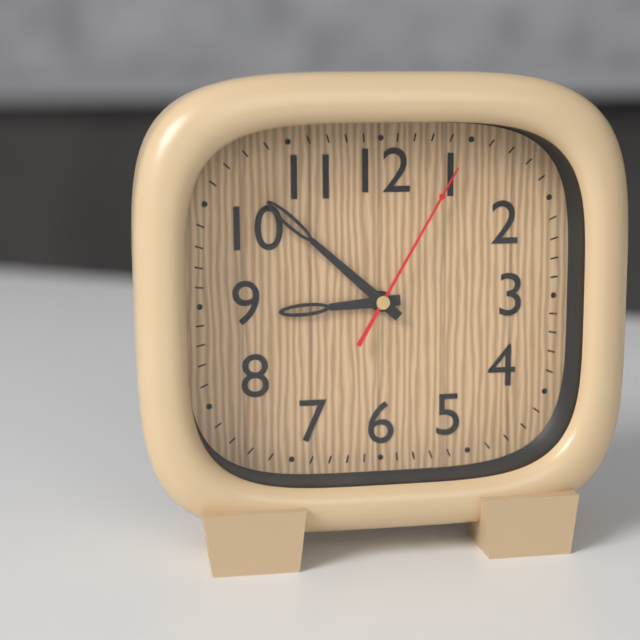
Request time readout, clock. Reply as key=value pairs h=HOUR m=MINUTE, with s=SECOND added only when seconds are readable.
h=8 m=52 s=5
